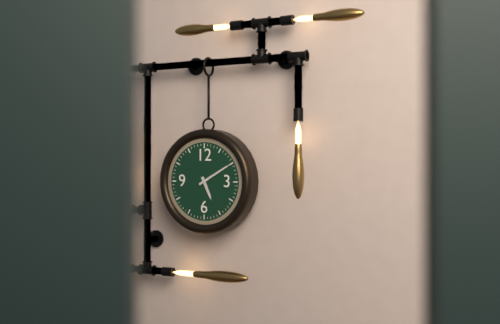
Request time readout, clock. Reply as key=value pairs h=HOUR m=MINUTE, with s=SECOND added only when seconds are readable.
h=5 m=10
